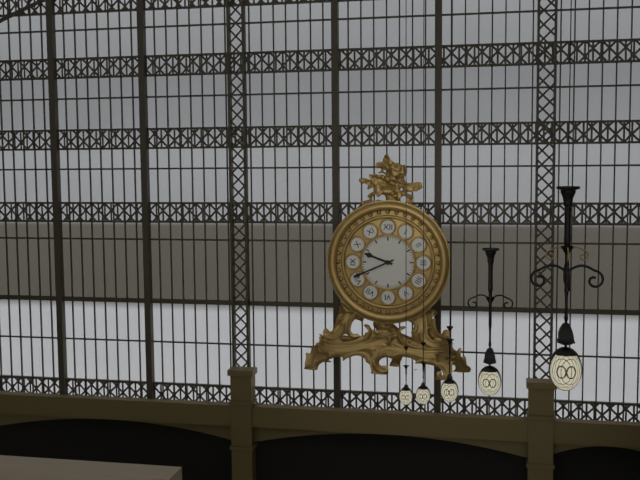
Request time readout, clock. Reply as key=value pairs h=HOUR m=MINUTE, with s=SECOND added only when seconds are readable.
h=9 m=41
